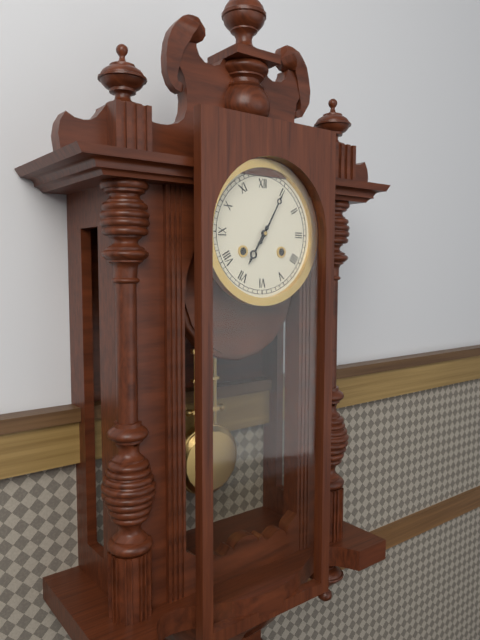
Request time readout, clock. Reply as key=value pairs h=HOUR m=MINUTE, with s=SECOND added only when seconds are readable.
h=7 m=5
